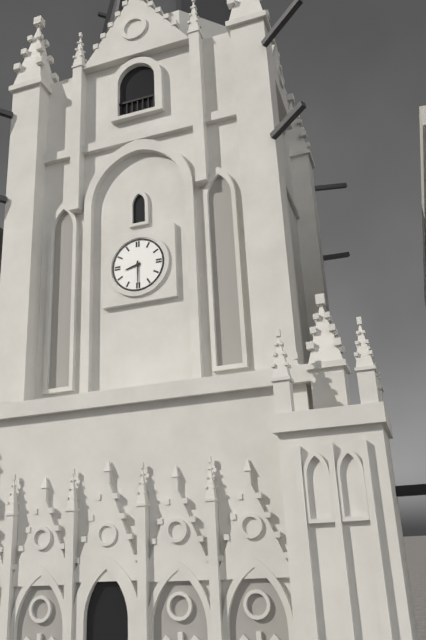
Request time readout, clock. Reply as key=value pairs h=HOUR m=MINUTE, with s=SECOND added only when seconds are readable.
h=8 m=30
